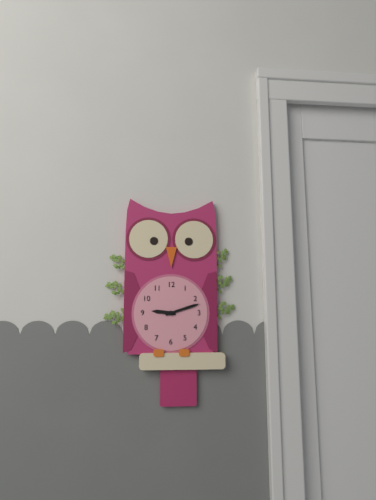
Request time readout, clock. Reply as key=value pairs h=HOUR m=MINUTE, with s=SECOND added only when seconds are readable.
h=9 m=12
